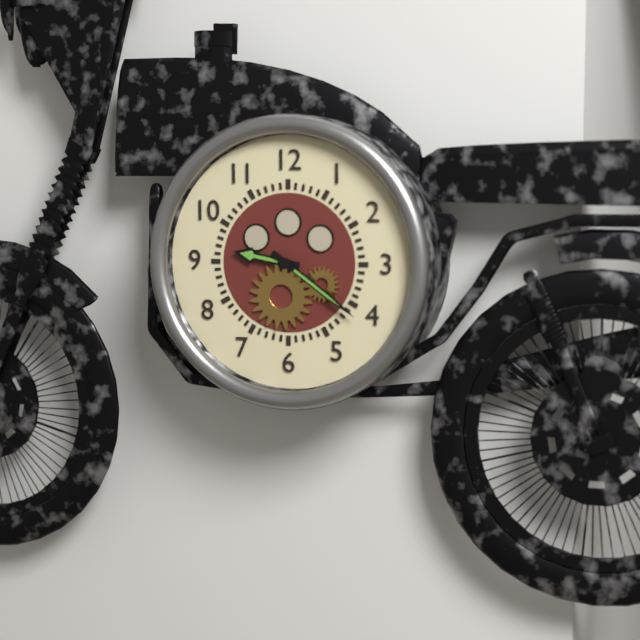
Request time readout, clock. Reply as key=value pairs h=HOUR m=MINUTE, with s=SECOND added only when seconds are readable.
h=9 m=21
